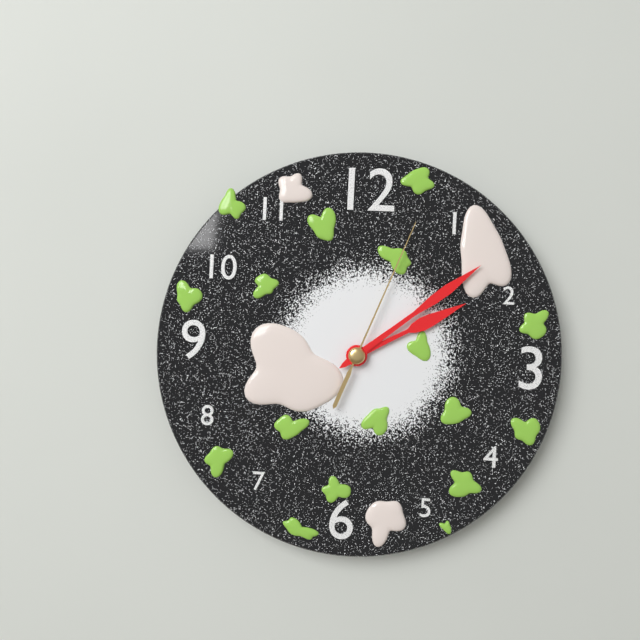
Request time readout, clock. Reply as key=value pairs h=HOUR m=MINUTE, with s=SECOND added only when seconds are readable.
h=2 m=9 s=4
